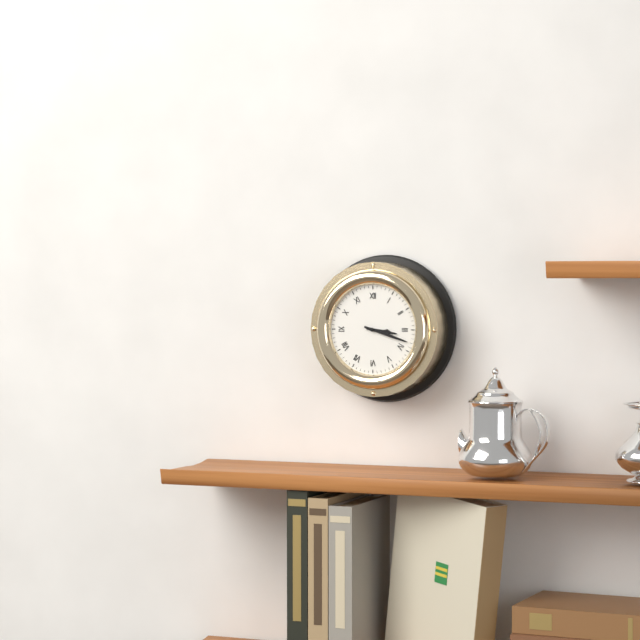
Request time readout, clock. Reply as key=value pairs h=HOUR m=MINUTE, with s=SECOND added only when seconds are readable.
h=3 m=18
